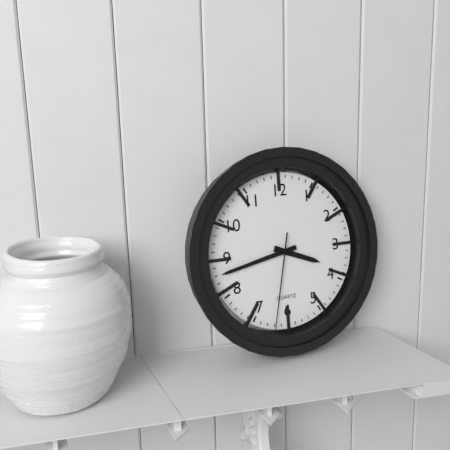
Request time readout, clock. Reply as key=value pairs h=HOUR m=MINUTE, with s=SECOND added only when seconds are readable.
h=3 m=43 s=32
